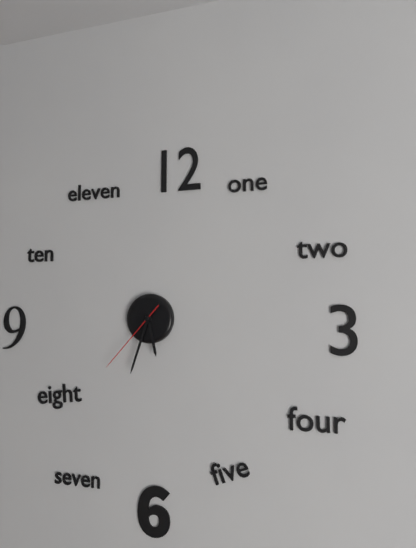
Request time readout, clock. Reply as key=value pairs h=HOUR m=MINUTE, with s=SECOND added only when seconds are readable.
h=5 m=33 s=37
